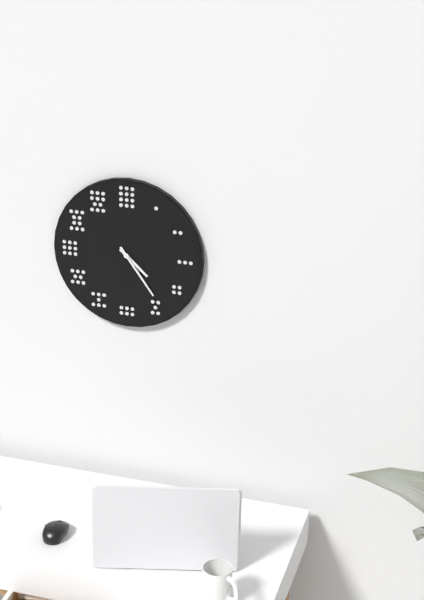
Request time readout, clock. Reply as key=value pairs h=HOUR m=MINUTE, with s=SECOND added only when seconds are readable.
h=4 m=24
